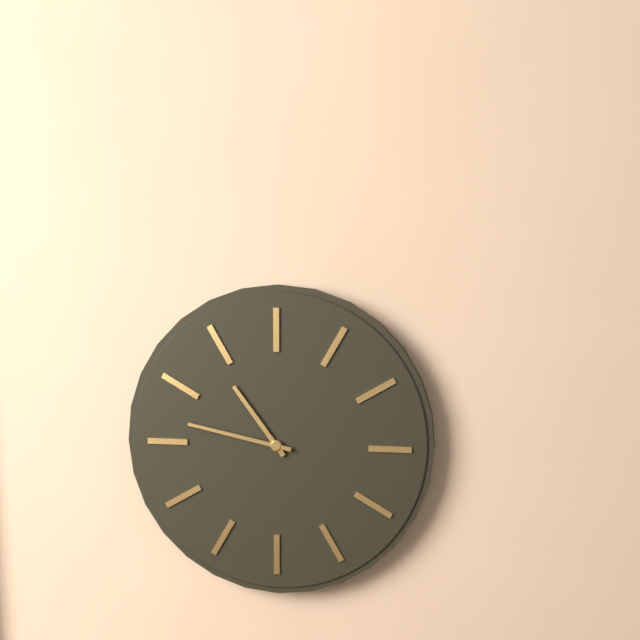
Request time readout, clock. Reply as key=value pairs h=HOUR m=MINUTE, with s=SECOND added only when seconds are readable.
h=10 m=47
